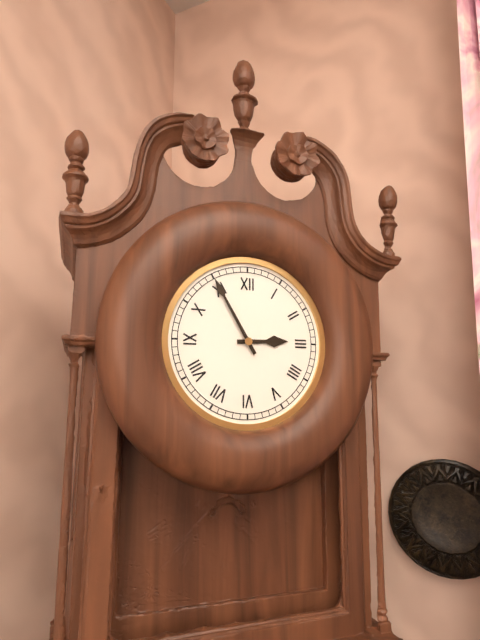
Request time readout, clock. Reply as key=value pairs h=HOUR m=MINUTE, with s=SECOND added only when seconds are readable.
h=2 m=55
